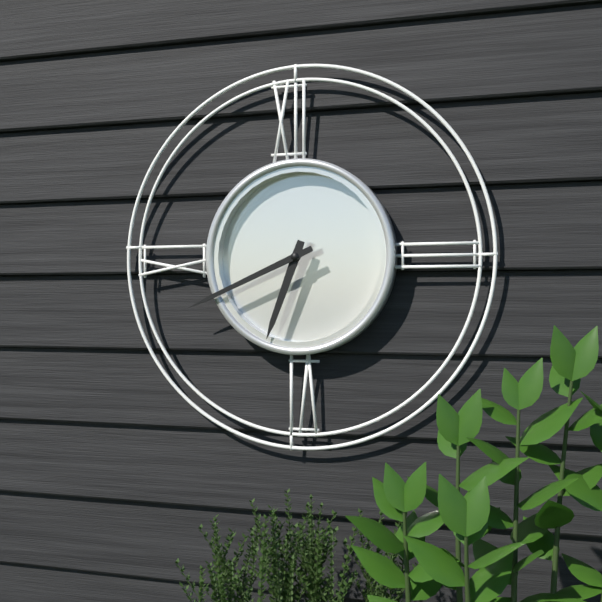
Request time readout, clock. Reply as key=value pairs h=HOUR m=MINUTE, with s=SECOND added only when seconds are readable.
h=6 m=41
